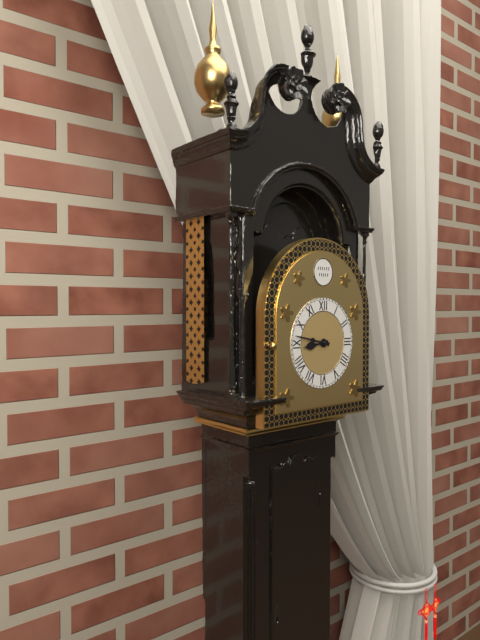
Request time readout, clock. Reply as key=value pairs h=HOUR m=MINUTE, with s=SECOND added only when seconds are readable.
h=8 m=47
